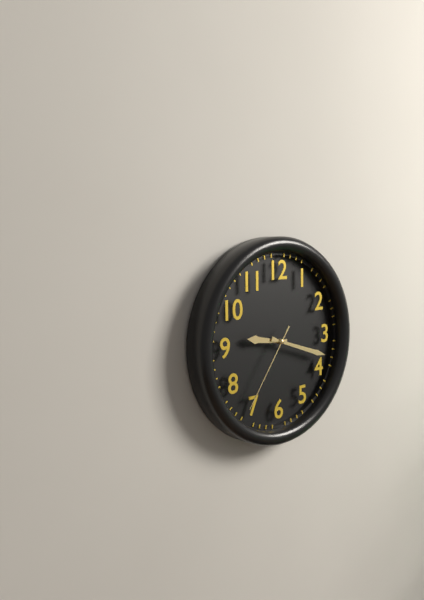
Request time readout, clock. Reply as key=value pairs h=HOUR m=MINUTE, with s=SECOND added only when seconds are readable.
h=9 m=18 s=36
